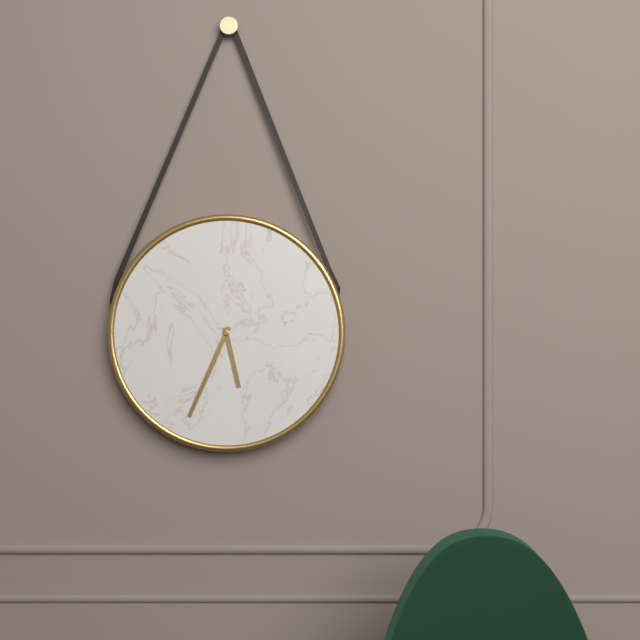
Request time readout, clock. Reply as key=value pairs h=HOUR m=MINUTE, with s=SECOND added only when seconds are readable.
h=5 m=34
